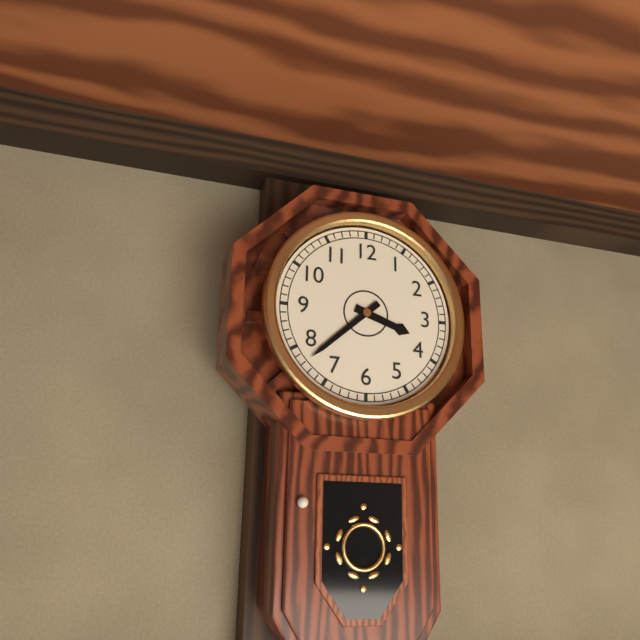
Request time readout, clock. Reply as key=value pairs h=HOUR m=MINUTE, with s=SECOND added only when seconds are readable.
h=3 m=38
